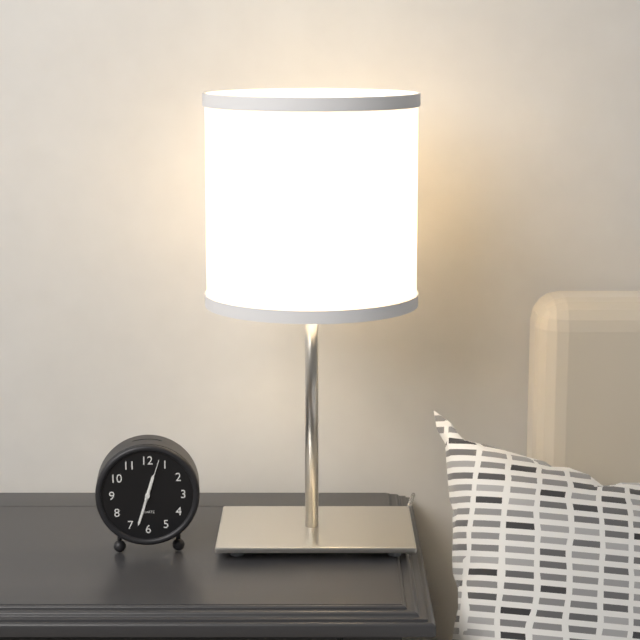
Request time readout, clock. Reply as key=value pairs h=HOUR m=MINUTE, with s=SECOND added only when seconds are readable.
h=12 m=33
